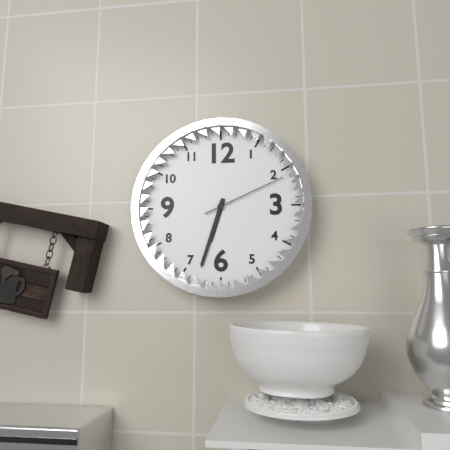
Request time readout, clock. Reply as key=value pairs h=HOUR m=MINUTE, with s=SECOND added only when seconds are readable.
h=6 m=33 s=11
